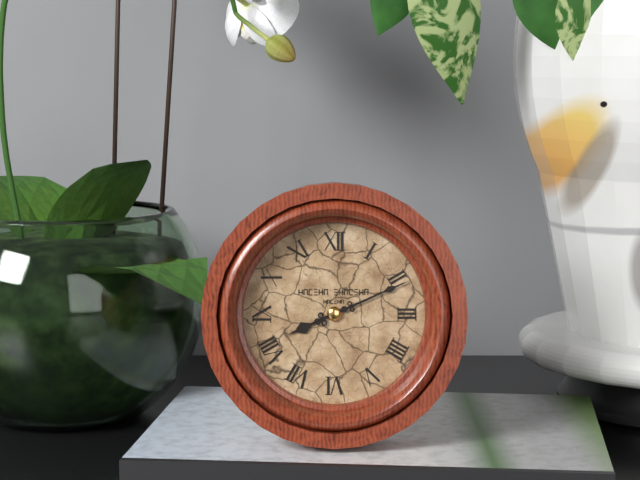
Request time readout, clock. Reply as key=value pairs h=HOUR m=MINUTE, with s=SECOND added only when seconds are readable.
h=8 m=11
